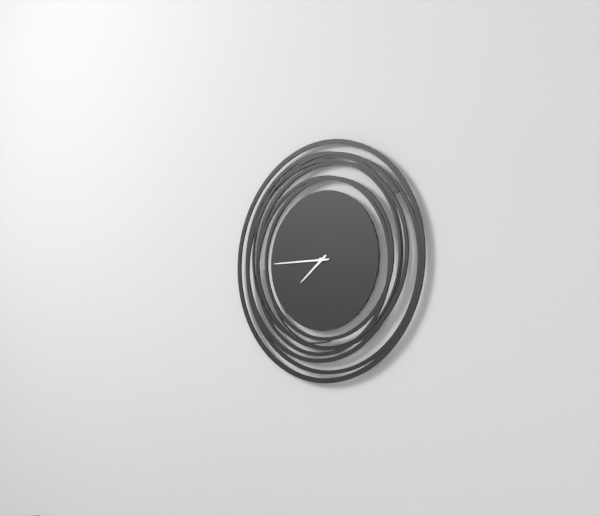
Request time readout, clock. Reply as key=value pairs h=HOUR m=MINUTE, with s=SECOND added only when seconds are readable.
h=7 m=45
